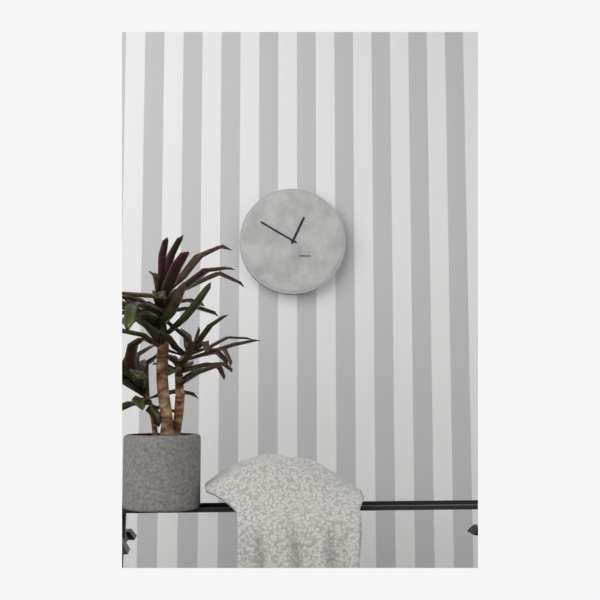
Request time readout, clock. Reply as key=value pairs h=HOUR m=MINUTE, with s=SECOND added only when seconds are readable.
h=12 m=50
